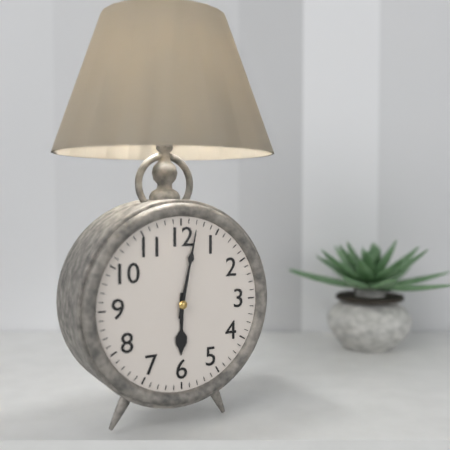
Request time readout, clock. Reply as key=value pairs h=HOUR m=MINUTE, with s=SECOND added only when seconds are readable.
h=6 m=2
